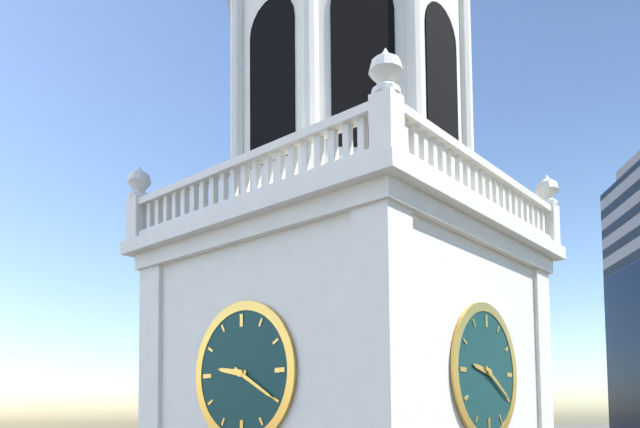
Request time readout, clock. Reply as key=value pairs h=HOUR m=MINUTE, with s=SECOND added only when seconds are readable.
h=9 m=20
